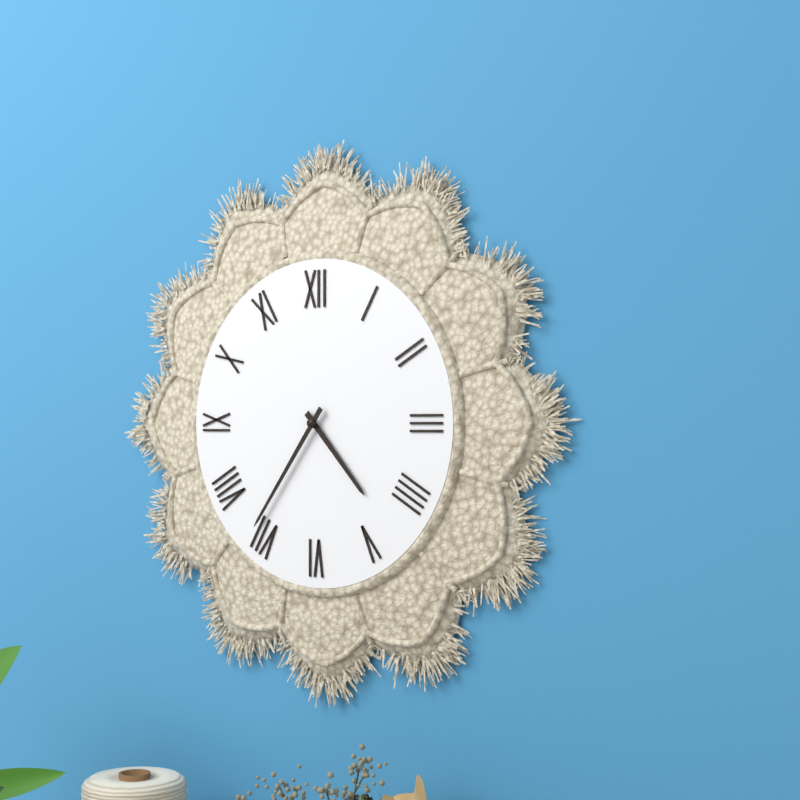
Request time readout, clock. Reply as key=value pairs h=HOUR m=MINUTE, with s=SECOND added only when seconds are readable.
h=4 m=36
